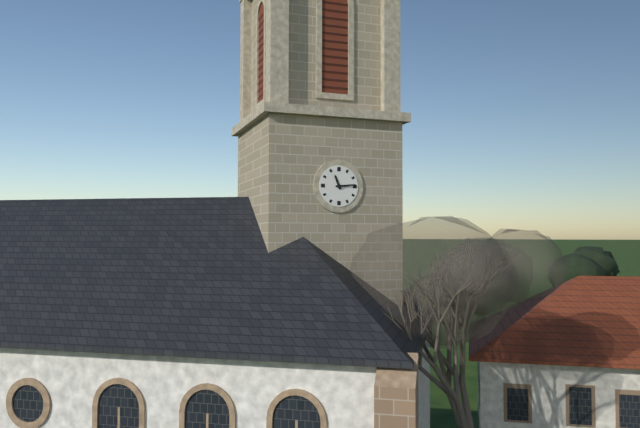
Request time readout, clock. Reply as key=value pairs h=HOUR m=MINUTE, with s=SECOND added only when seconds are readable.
h=11 m=14
